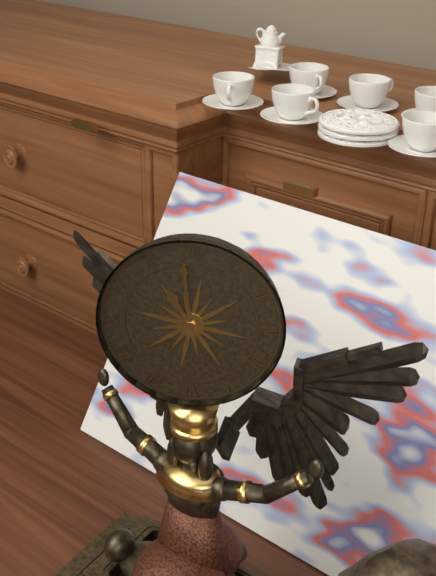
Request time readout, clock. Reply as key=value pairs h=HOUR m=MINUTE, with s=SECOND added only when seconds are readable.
h=10 m=59
